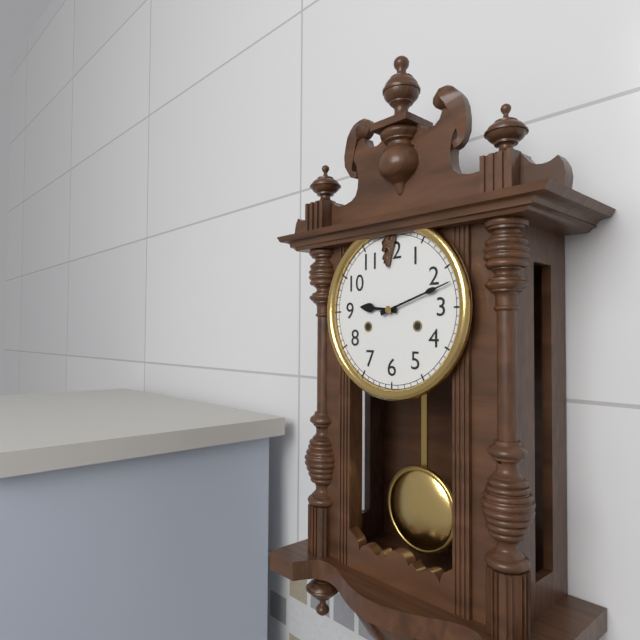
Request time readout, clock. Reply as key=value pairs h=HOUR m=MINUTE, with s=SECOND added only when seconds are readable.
h=9 m=12
